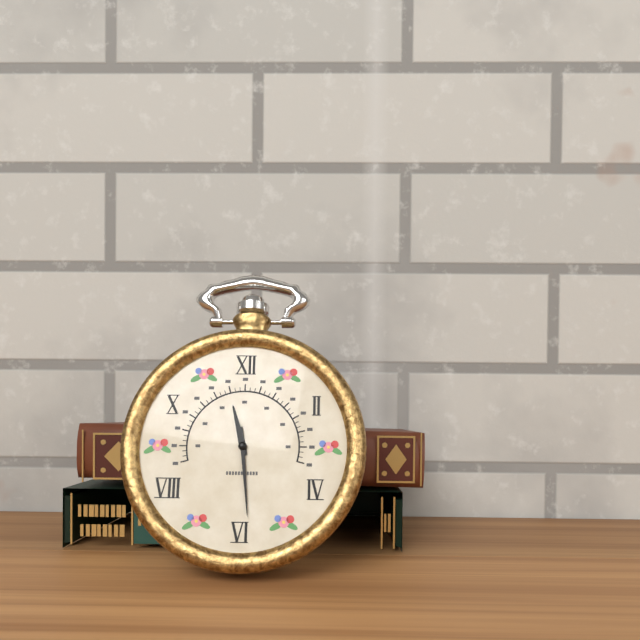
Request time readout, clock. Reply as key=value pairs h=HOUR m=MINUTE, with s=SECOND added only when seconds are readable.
h=11 m=29
